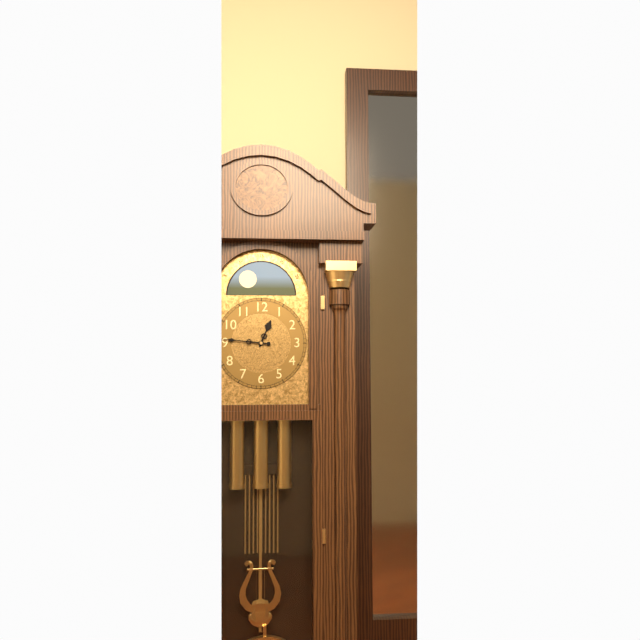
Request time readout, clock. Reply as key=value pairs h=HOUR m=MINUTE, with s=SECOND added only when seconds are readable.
h=12 m=46
